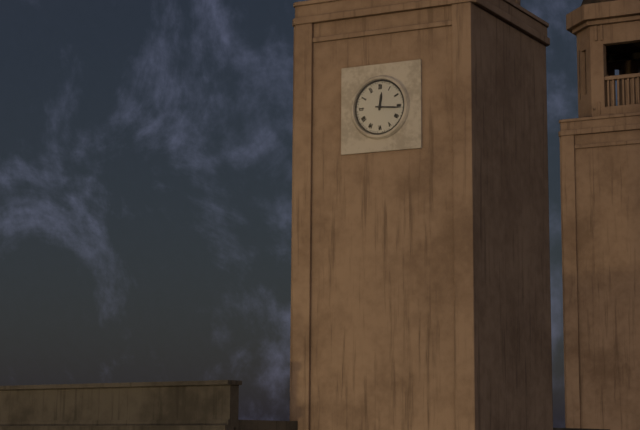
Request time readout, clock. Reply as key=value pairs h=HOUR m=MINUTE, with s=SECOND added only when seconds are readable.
h=12 m=16
